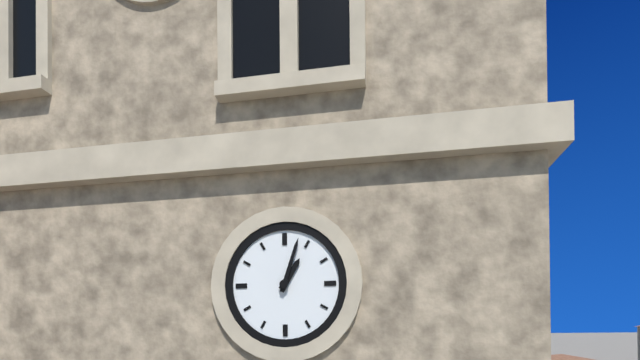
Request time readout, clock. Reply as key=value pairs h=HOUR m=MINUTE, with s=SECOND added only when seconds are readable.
h=1 m=3
